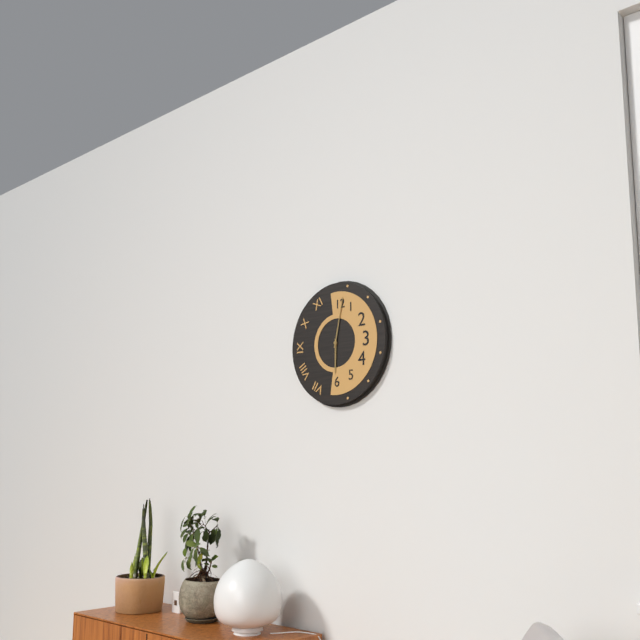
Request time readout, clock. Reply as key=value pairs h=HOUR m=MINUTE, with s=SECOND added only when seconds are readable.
h=6 m=2
